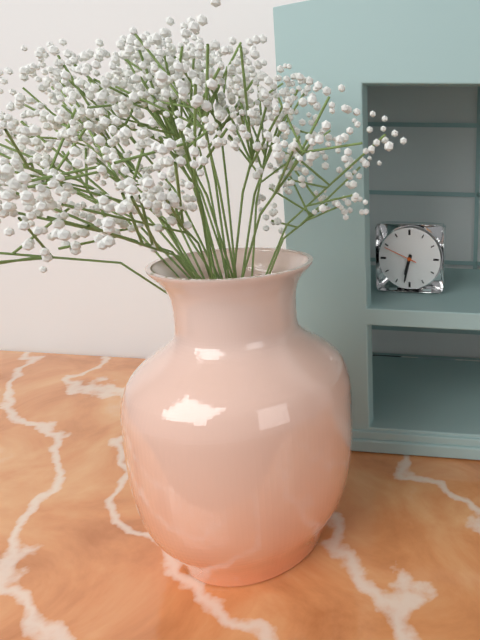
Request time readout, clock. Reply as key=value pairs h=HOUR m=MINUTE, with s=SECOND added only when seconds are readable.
h=6 m=32
